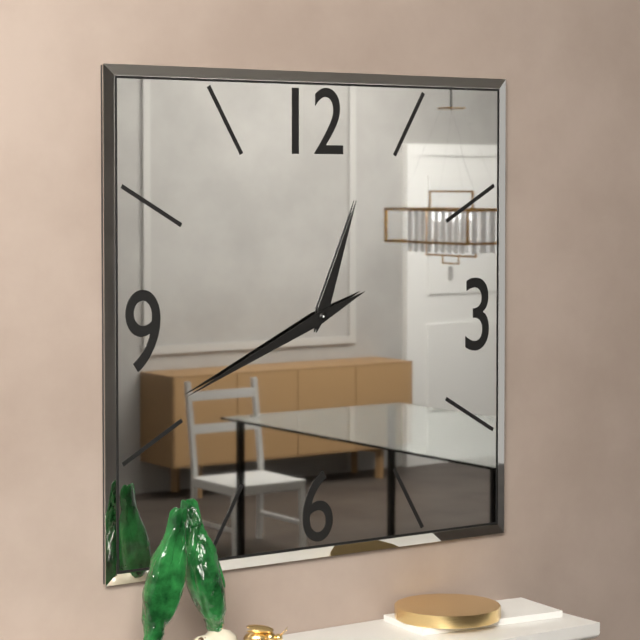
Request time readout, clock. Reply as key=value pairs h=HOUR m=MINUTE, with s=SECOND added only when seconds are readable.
h=12 m=41
